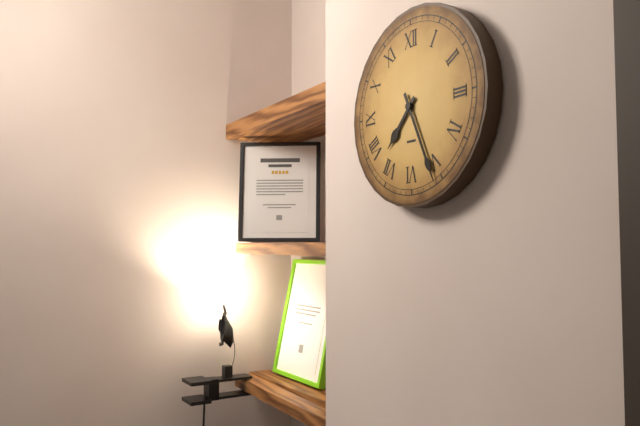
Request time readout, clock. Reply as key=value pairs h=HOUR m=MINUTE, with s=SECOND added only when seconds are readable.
h=7 m=26
